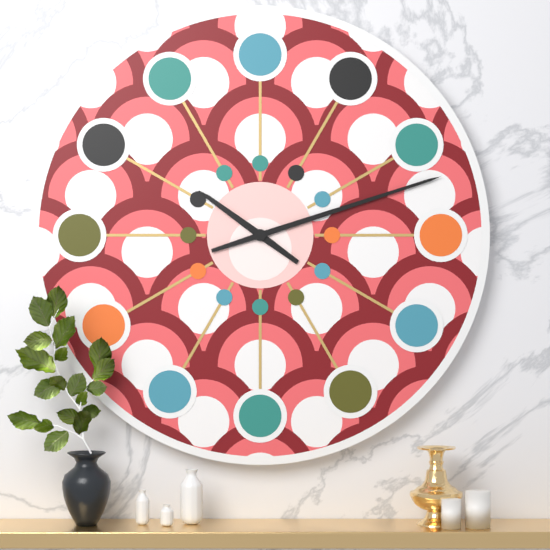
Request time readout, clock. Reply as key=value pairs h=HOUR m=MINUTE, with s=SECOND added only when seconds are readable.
h=10 m=12
